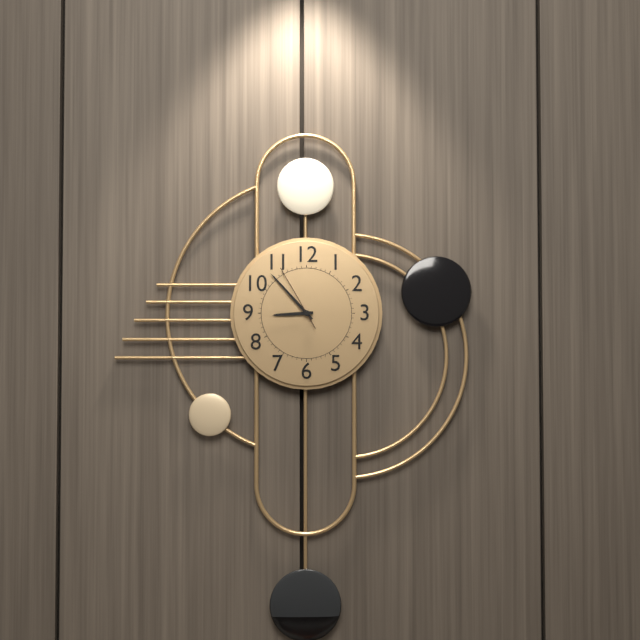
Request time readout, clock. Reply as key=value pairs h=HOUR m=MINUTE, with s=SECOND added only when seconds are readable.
h=8 m=53 s=55
